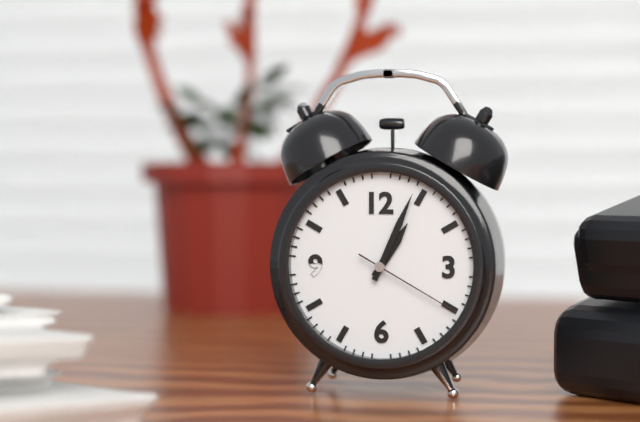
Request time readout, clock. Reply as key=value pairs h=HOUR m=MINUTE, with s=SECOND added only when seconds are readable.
h=1 m=4 s=20
